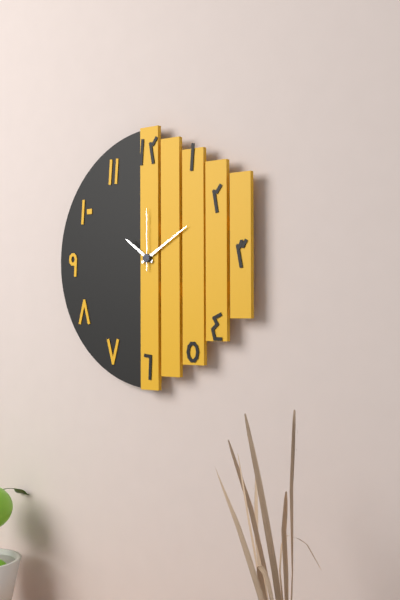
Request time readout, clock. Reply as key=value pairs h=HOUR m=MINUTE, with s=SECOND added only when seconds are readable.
h=10 m=10 s=0
